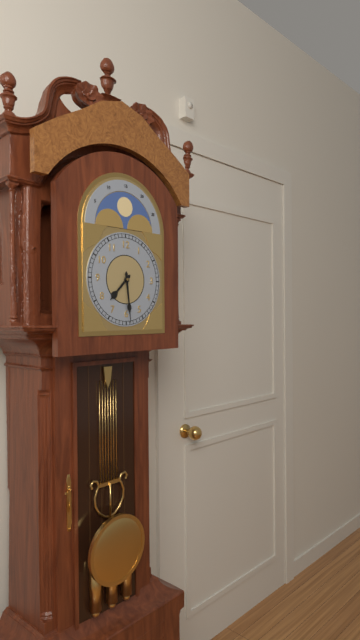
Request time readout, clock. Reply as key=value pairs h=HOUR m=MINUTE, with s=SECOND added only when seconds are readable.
h=7 m=29
